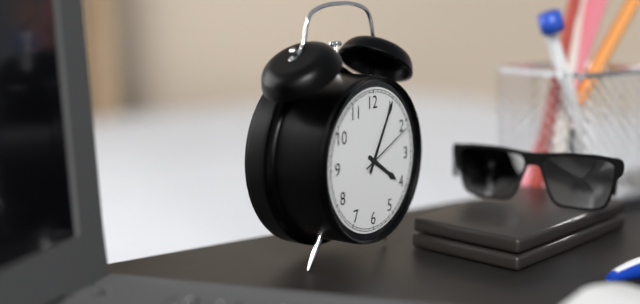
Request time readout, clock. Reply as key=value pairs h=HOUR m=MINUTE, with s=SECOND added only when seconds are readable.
h=4 m=5 s=11
